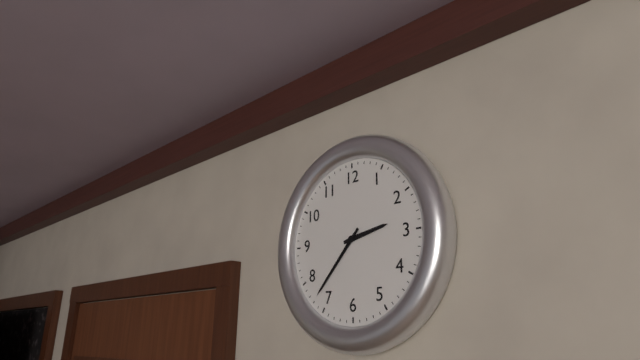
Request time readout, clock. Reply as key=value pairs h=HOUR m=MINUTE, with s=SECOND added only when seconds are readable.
h=2 m=37
